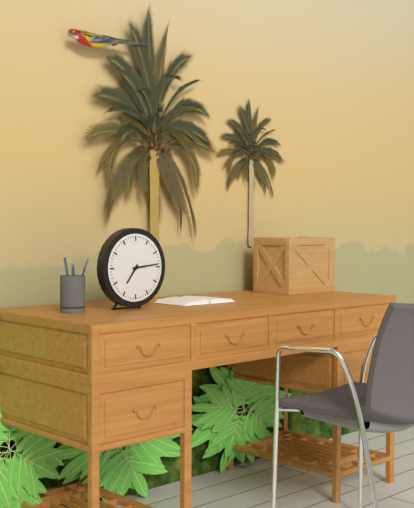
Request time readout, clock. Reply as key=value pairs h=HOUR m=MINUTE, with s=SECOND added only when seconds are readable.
h=7 m=14
